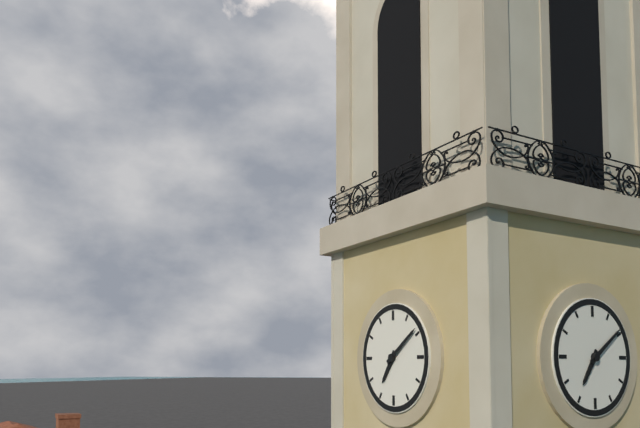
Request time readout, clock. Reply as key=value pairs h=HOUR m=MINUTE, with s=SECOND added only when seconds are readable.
h=7 m=9
